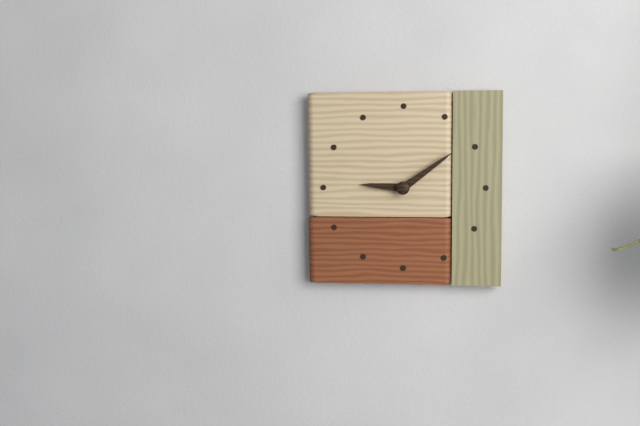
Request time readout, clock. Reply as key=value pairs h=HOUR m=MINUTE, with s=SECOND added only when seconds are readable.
h=9 m=9
